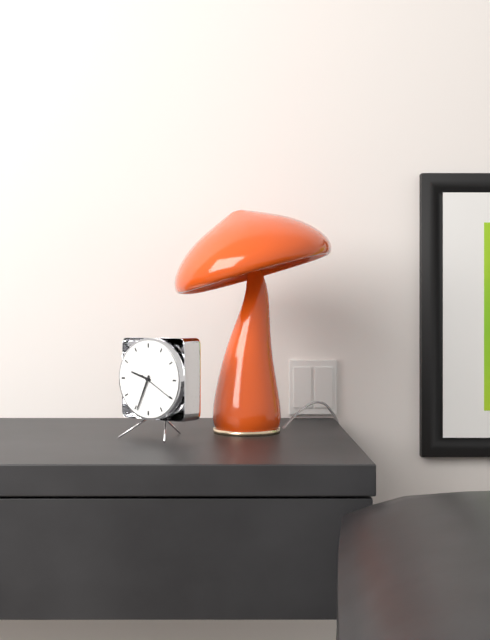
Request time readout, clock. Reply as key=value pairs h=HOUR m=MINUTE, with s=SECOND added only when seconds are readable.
h=9 m=34
